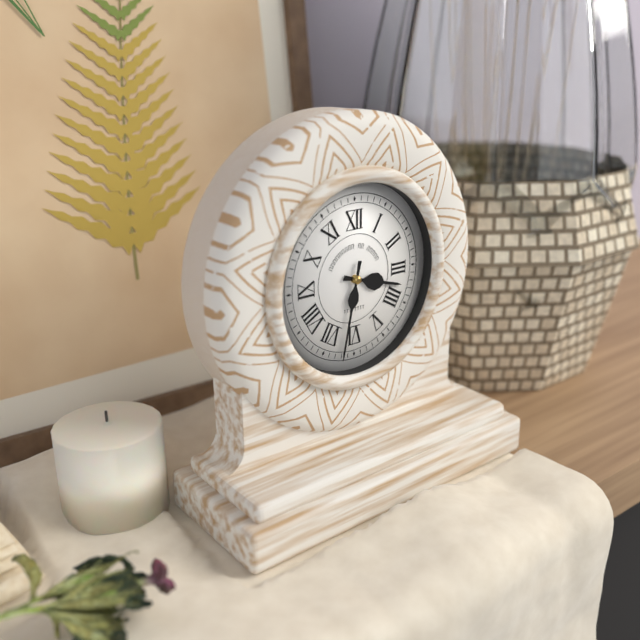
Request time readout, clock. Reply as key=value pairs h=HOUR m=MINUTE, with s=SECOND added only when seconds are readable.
h=3 m=32
